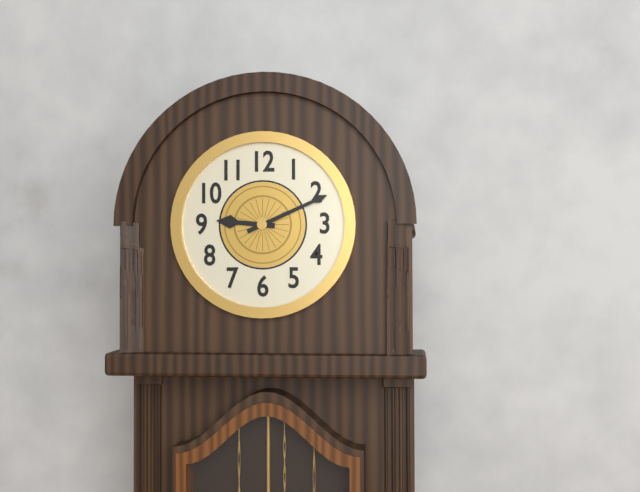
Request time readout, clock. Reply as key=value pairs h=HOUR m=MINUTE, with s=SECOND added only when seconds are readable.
h=9 m=11
